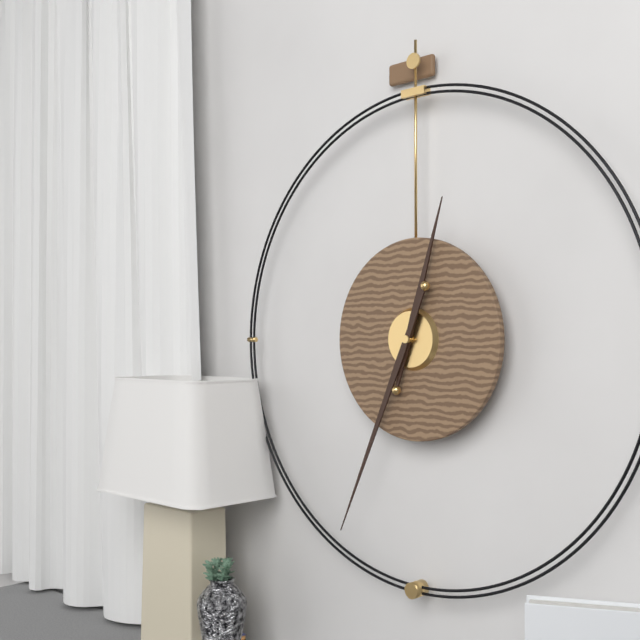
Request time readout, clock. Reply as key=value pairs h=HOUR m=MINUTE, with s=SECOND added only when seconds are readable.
h=12 m=34
